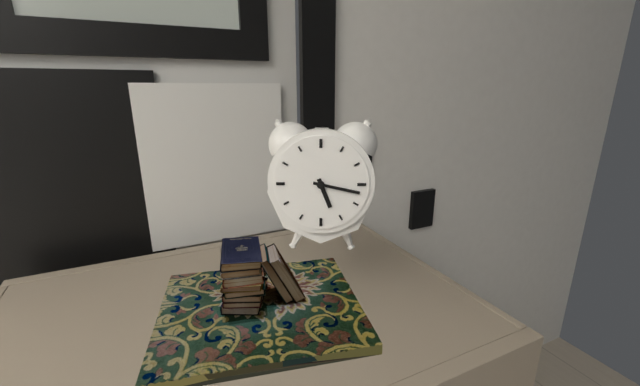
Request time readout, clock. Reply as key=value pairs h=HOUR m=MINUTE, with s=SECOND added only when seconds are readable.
h=5 m=17
